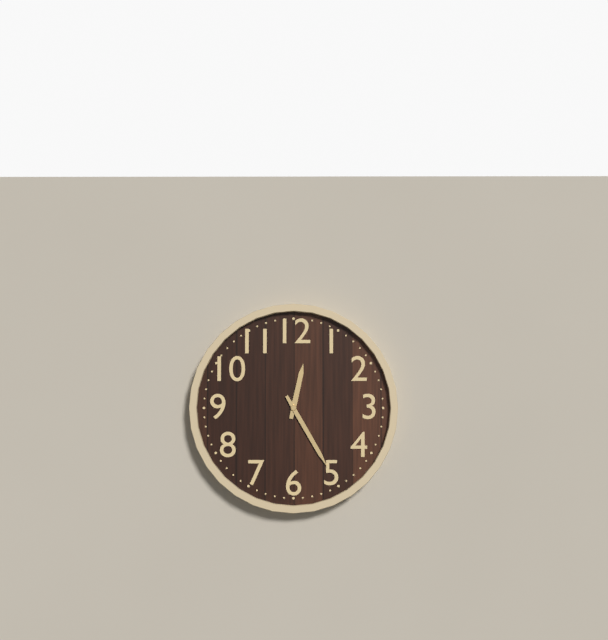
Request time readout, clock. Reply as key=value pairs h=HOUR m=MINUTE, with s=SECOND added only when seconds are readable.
h=12 m=25
